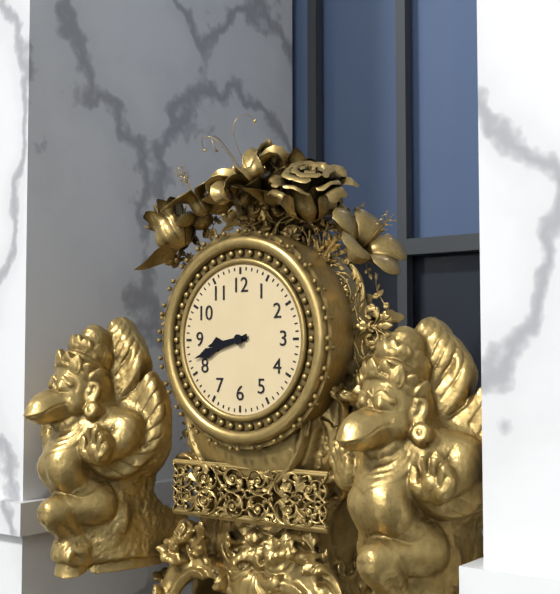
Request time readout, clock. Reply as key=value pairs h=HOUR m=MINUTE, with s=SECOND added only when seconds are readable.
h=8 m=42
